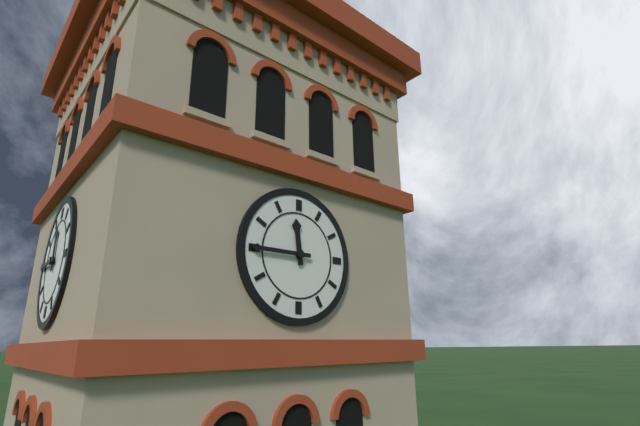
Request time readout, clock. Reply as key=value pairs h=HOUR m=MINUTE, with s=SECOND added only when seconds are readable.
h=11 m=45
